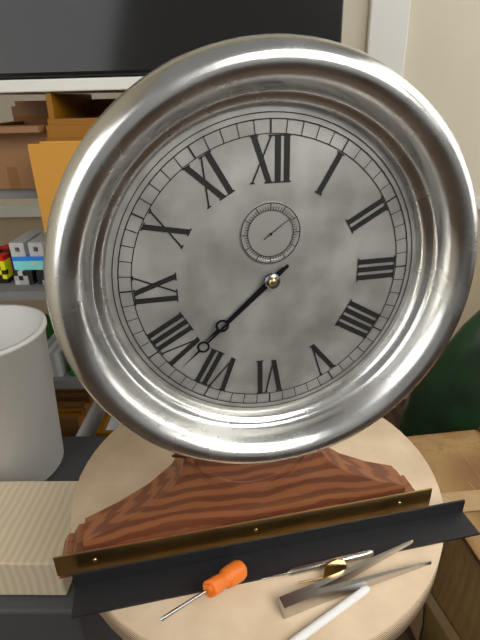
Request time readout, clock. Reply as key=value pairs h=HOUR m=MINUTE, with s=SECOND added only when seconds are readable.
h=7 m=38
